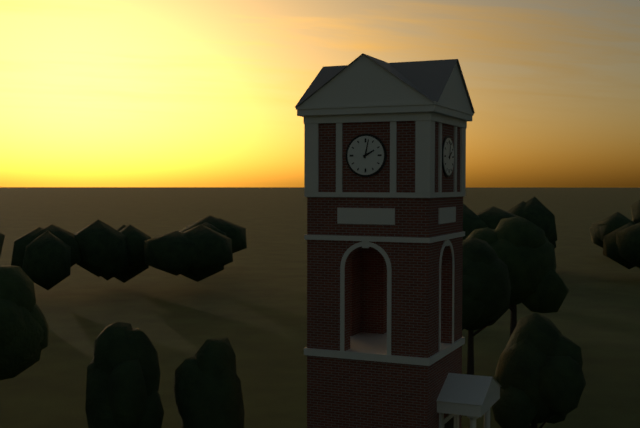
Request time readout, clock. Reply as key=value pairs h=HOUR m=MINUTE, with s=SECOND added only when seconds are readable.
h=2 m=2
